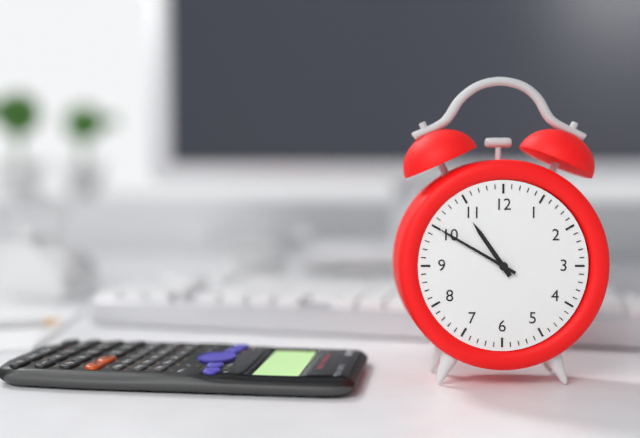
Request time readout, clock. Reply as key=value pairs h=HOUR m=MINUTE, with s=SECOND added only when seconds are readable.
h=10 m=50
